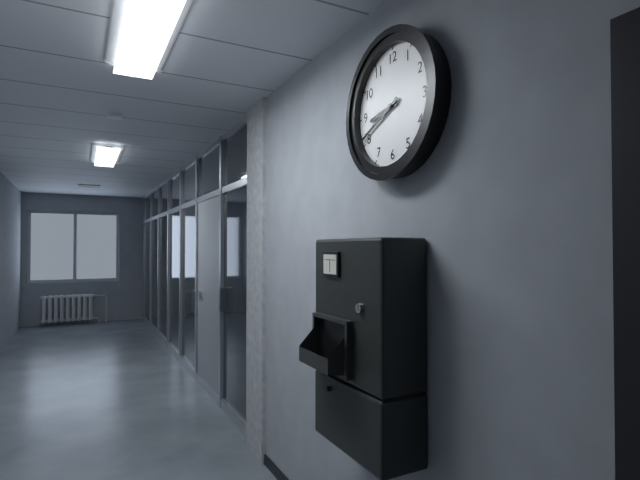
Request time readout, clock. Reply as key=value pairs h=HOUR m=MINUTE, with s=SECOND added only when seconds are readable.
h=8 m=41
